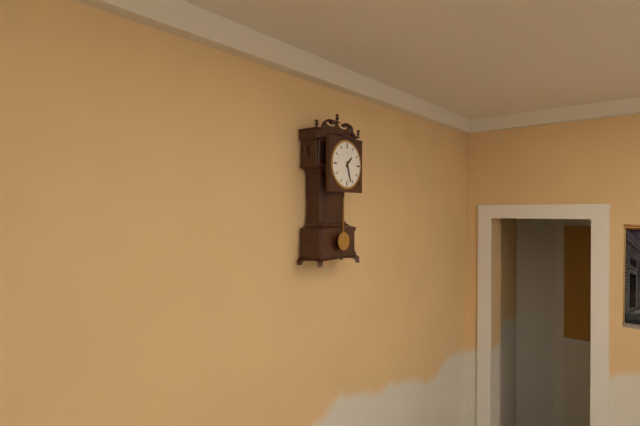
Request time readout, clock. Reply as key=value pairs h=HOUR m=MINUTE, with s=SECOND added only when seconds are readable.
h=1 m=27
